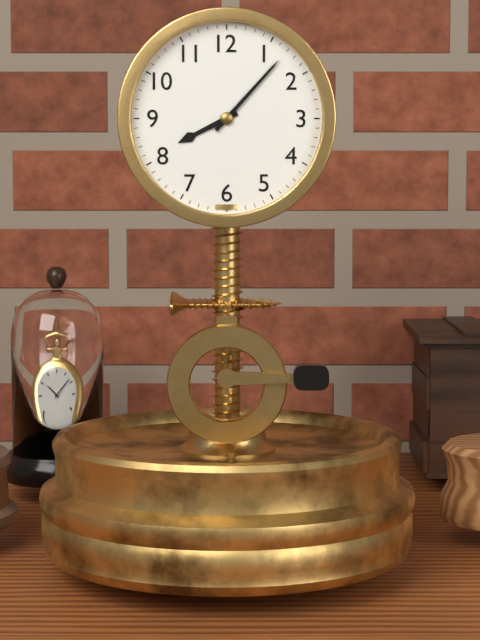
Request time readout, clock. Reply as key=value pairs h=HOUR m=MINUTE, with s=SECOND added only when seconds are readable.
h=8 m=7
